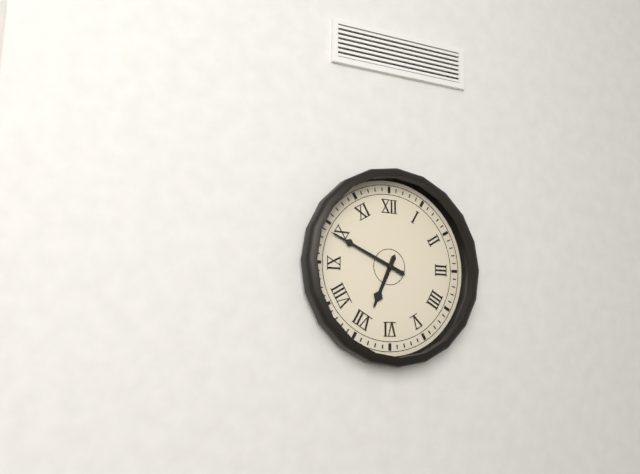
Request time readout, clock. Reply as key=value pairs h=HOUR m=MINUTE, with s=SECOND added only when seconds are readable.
h=6 m=49
